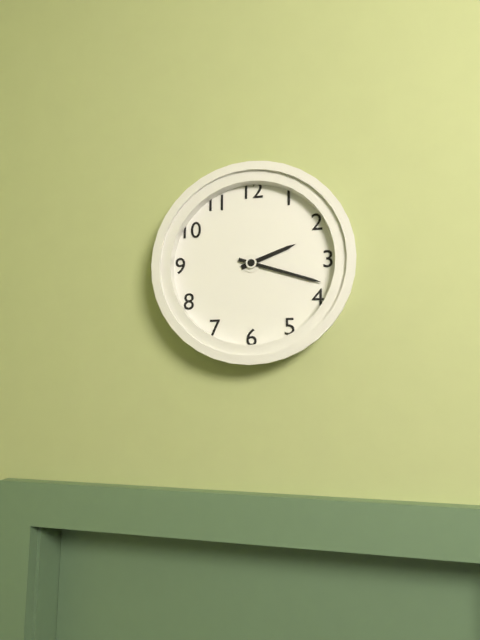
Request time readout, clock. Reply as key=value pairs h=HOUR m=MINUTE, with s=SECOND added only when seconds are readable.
h=2 m=18
